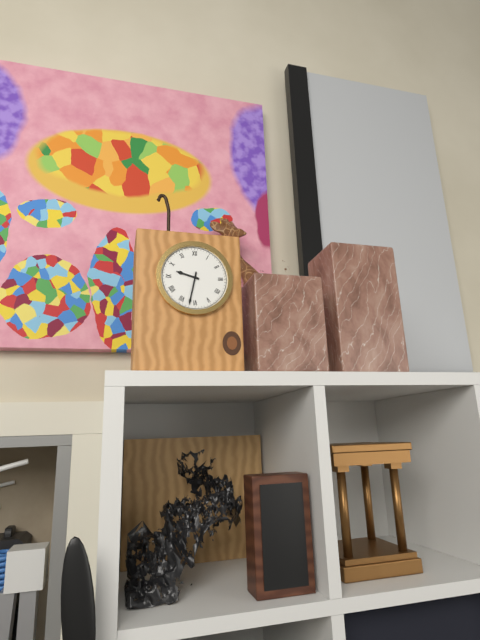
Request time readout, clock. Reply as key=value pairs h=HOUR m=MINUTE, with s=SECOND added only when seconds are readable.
h=9 m=32
